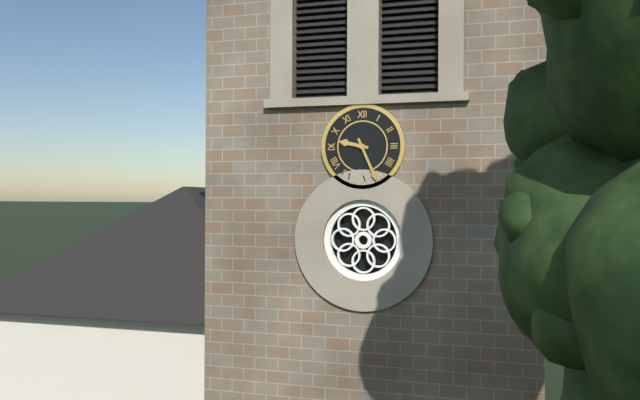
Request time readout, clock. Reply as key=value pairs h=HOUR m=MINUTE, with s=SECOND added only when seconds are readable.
h=9 m=26
